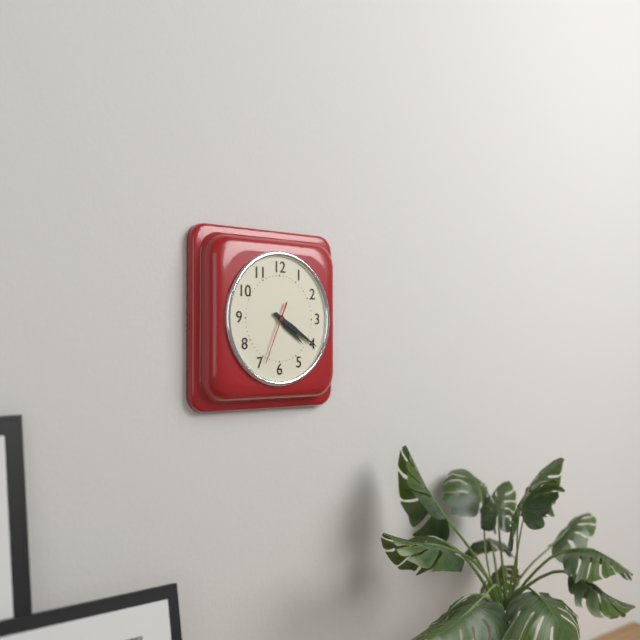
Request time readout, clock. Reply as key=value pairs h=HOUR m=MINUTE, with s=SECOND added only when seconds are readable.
h=4 m=20 s=34
